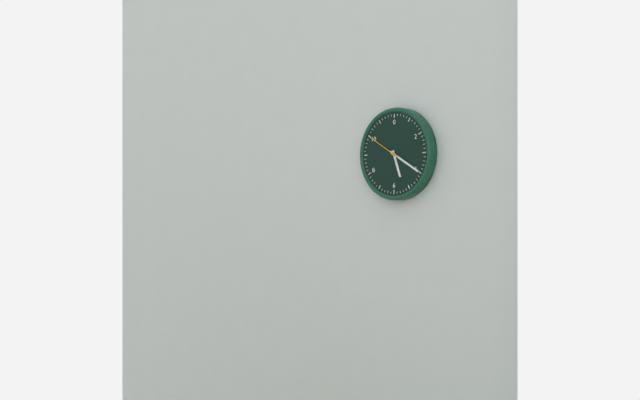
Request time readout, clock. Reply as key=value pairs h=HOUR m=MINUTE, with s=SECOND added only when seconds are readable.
h=5 m=20
